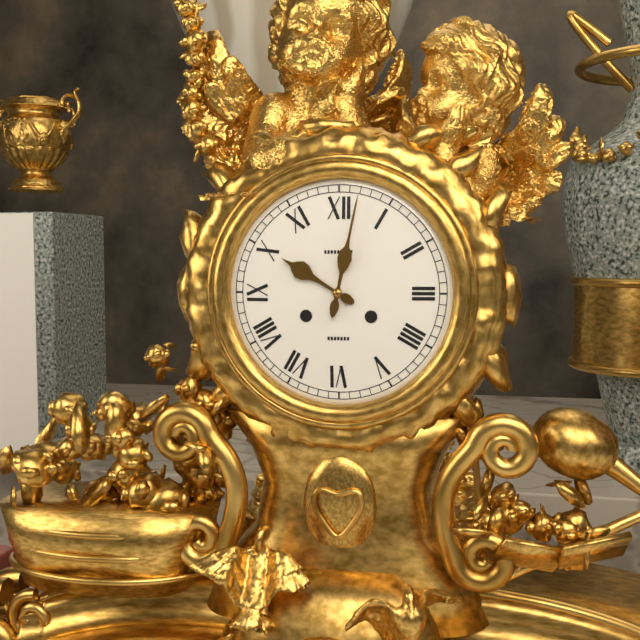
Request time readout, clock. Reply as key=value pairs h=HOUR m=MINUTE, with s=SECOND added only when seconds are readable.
h=10 m=2
